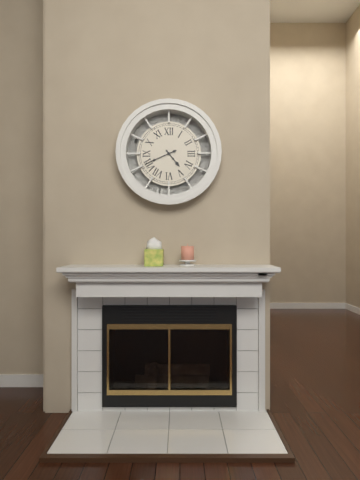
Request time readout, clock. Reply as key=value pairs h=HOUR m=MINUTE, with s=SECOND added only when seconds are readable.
h=4 m=41
